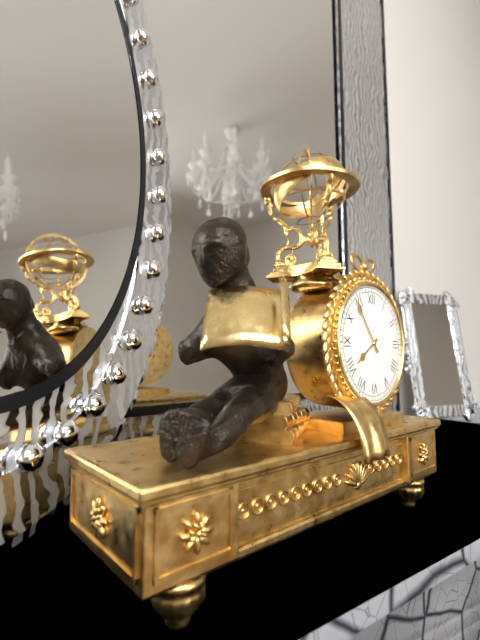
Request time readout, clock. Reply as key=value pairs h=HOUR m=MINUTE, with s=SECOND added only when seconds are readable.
h=7 m=54
